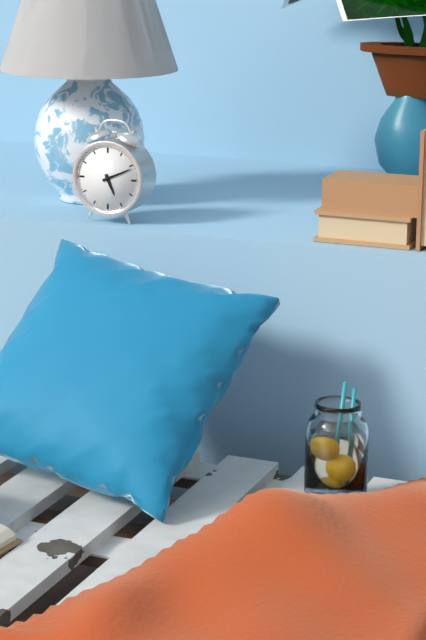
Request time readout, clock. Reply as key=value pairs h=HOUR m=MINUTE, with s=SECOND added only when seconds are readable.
h=5 m=11
